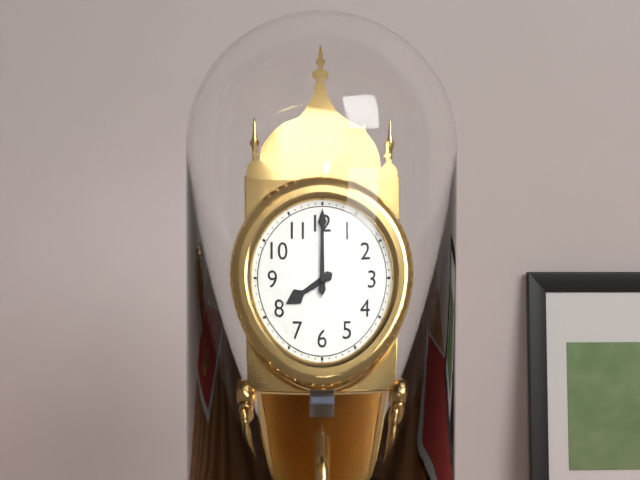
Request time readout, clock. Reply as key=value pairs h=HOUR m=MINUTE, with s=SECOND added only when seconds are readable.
h=8 m=0
